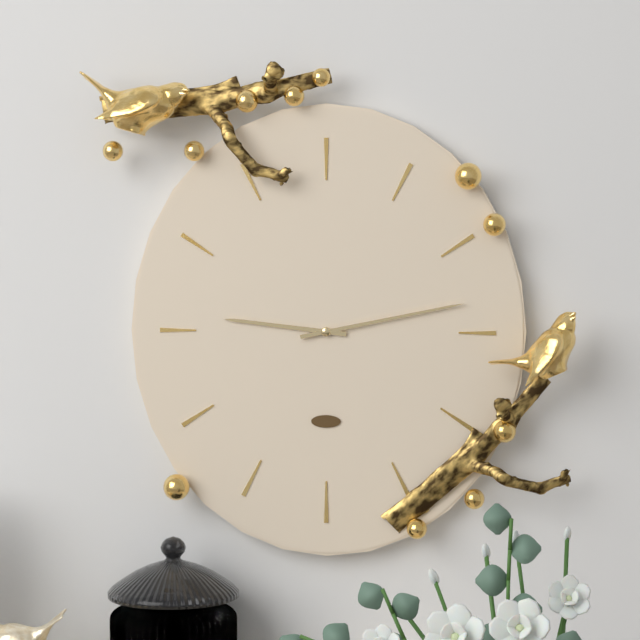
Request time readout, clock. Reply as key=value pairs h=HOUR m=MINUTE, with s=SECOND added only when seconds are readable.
h=9 m=13
